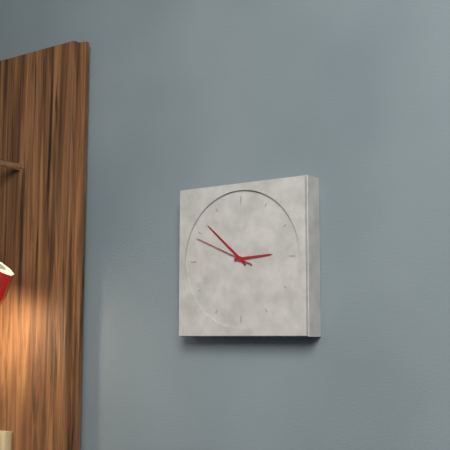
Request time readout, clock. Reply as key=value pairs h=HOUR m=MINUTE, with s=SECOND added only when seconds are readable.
h=2 m=52 s=49
